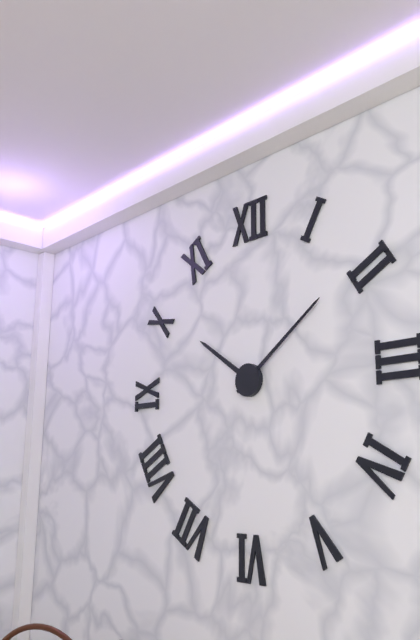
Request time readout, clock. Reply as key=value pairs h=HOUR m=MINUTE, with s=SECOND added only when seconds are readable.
h=10 m=9
